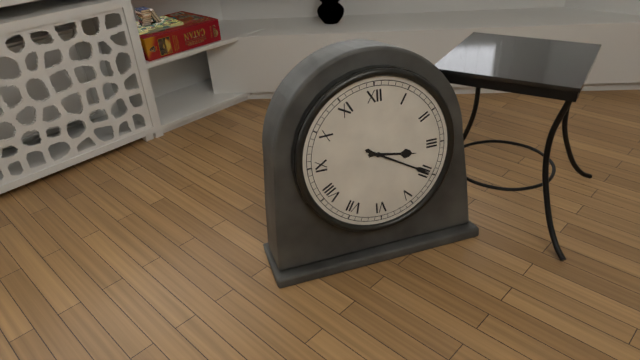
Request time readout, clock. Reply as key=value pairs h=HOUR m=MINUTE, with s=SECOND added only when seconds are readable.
h=3 m=20
